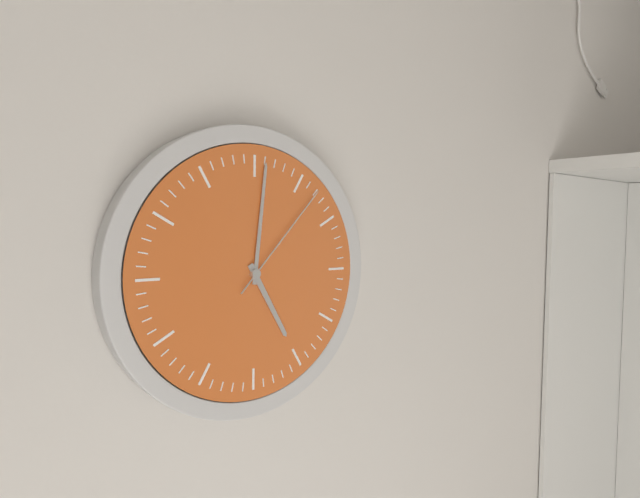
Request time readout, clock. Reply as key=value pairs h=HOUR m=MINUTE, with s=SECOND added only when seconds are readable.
h=5 m=1 s=7
